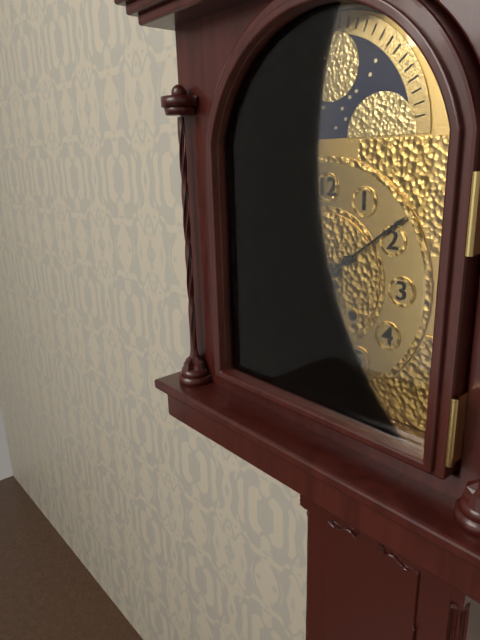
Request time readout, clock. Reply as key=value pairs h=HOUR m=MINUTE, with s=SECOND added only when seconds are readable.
h=10 m=9
